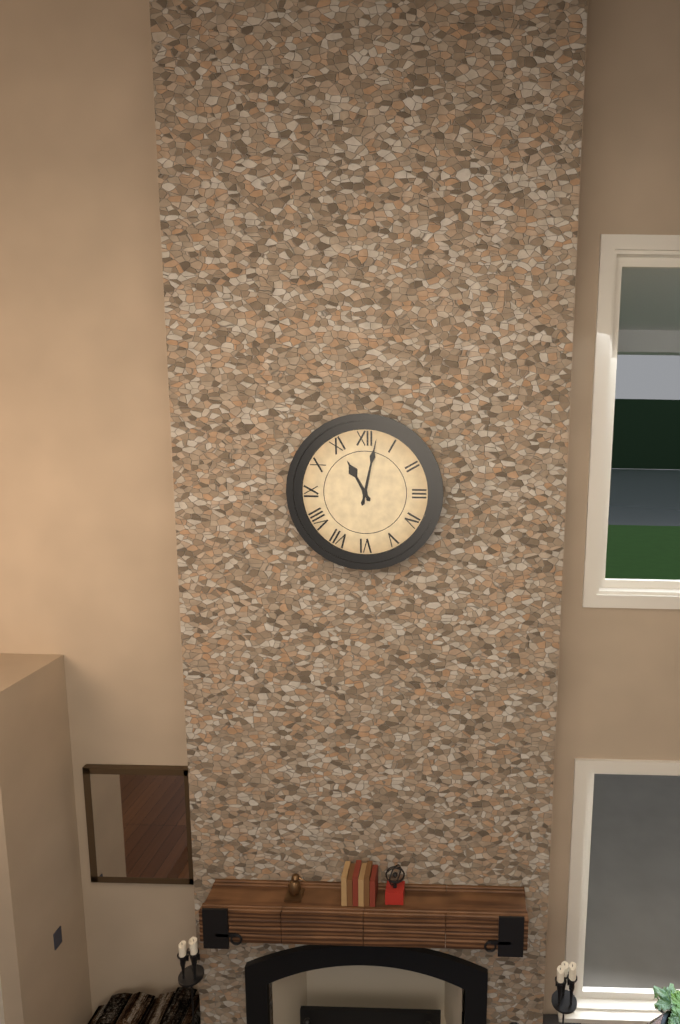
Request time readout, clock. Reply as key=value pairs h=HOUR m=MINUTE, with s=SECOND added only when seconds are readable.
h=11 m=2
